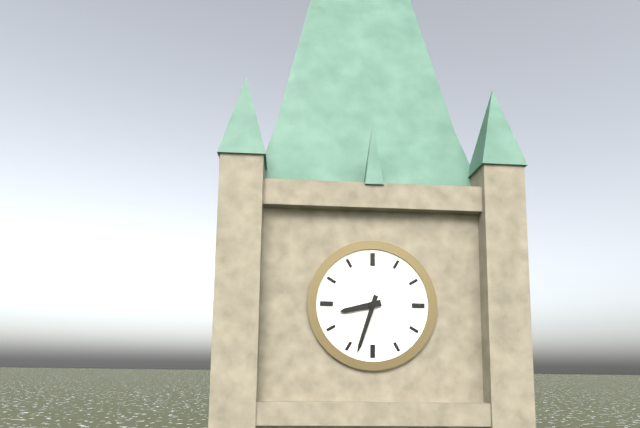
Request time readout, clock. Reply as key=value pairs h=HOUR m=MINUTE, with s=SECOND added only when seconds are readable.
h=8 m=33
